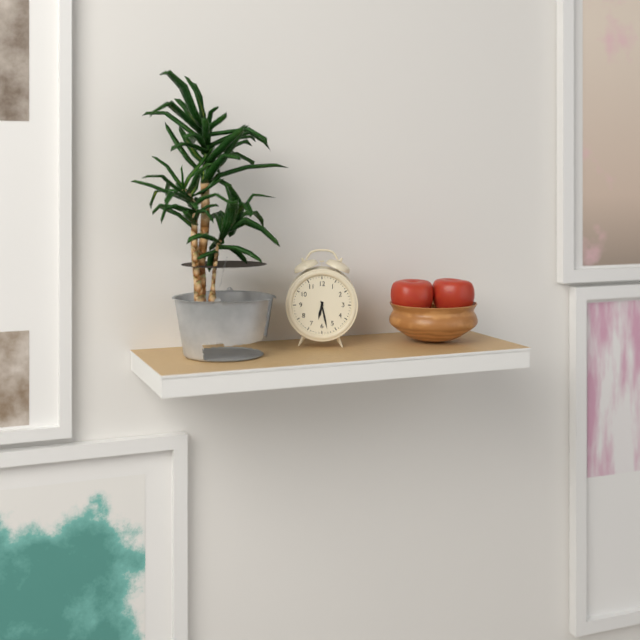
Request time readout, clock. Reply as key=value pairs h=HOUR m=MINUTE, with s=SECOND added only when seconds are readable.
h=6 m=28
